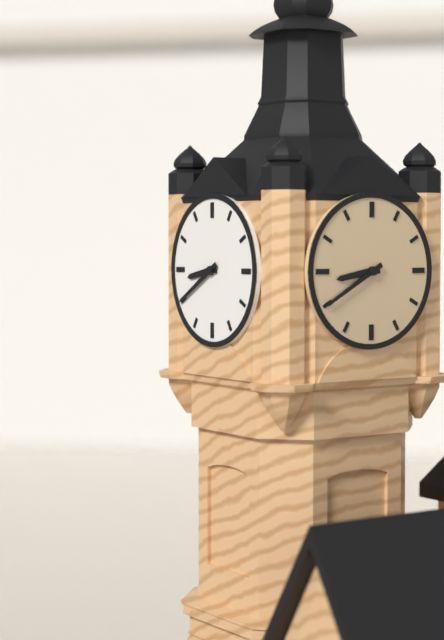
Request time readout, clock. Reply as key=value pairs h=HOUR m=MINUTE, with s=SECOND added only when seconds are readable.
h=8 m=40
